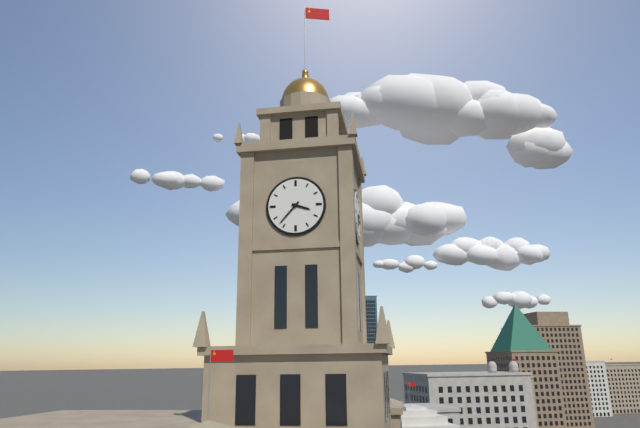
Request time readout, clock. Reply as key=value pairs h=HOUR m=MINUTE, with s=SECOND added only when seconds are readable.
h=3 m=37
